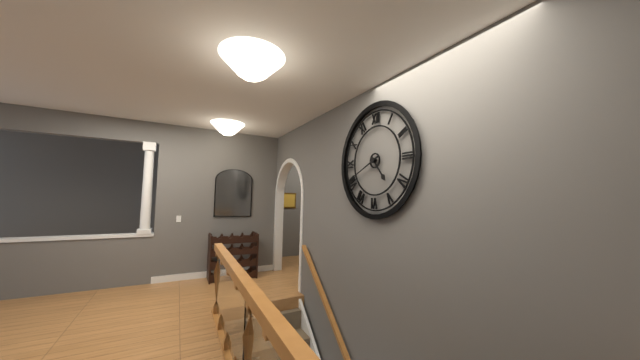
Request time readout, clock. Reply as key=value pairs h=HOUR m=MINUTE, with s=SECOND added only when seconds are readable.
h=4 m=41
